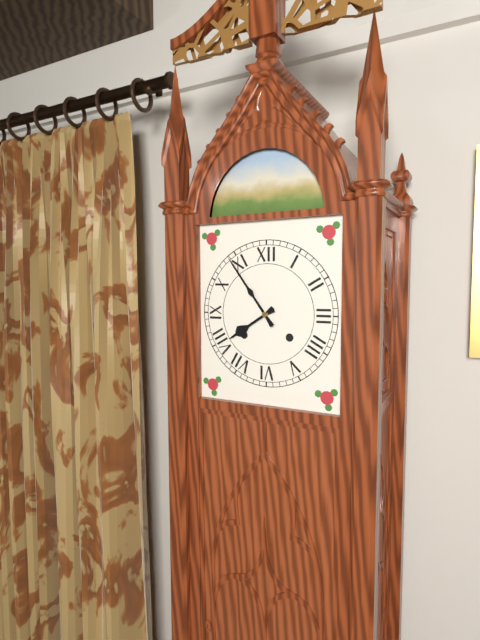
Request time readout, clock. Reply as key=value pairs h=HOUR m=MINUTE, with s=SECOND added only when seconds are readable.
h=7 m=54
